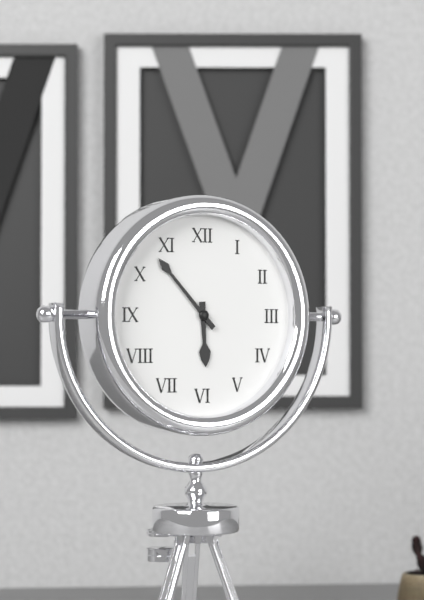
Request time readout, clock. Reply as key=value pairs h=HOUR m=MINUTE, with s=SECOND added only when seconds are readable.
h=5 m=53
